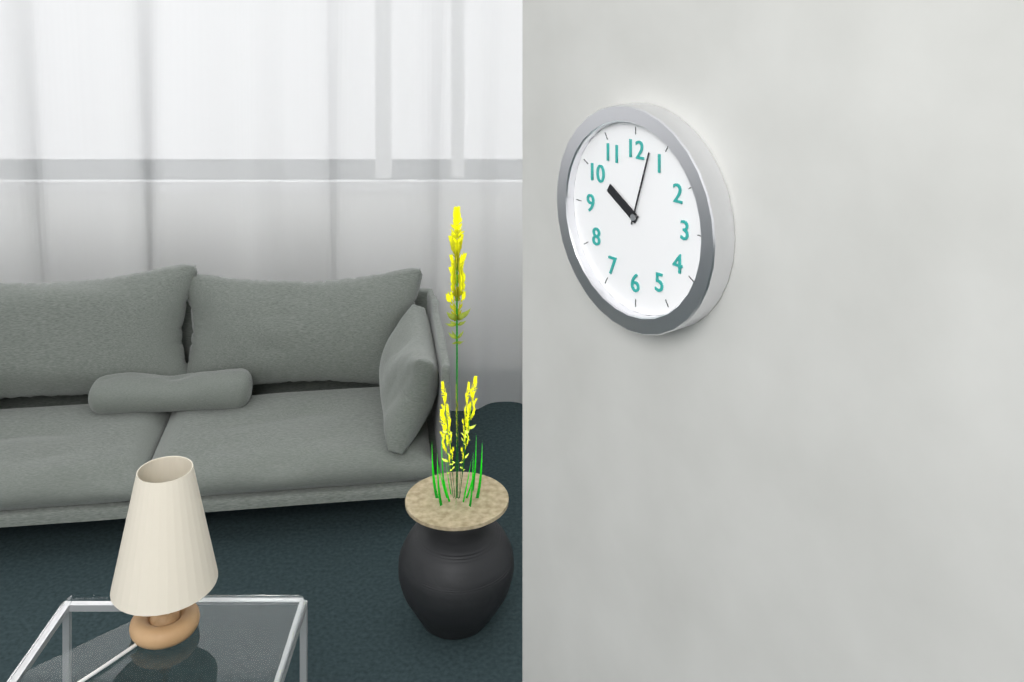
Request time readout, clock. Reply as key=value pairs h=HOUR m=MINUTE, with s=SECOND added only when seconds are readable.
h=10 m=3
